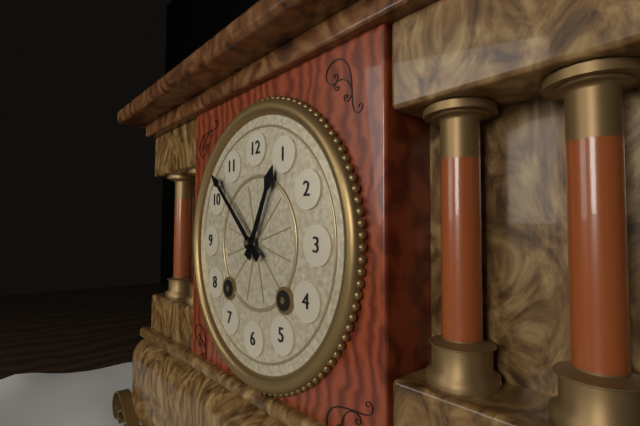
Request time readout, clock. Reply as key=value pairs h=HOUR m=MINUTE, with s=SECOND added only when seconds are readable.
h=12 m=52
